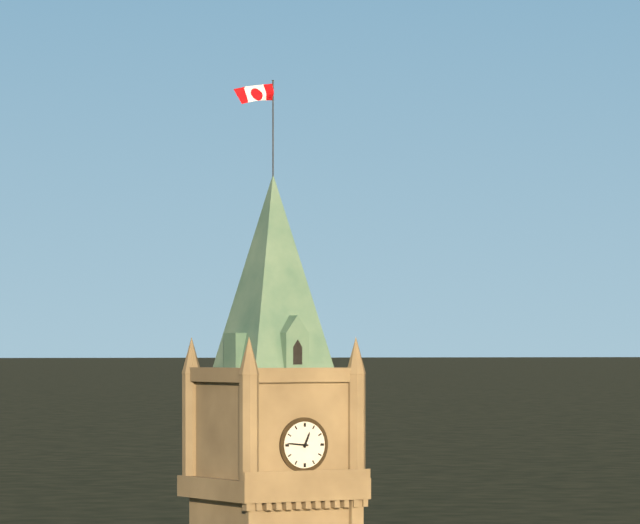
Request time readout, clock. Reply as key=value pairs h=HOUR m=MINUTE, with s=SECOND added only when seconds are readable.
h=12 m=46
